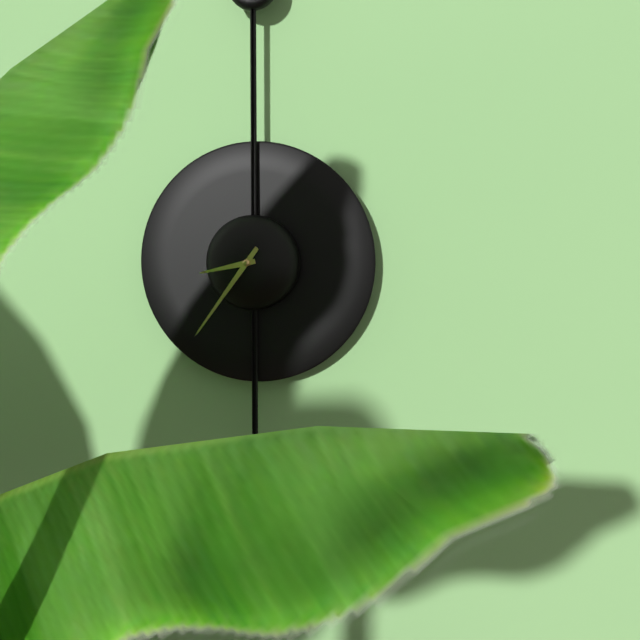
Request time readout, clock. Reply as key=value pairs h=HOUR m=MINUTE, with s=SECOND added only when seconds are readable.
h=8 m=36
